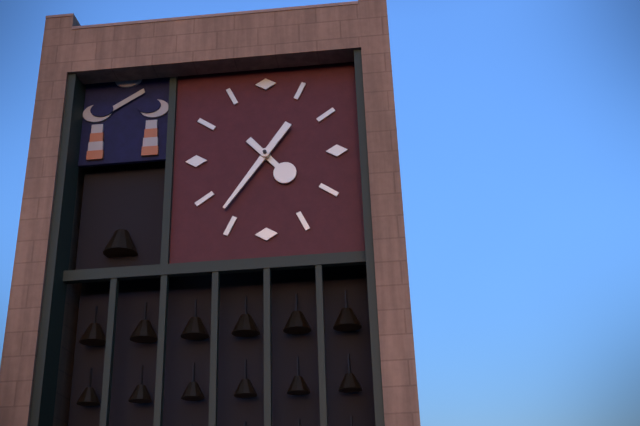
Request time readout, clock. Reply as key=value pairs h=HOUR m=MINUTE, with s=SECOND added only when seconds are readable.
h=4 m=36
